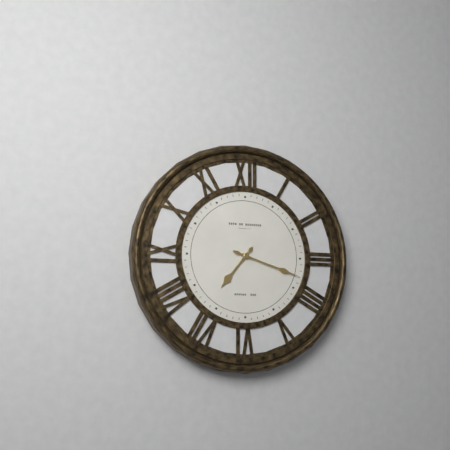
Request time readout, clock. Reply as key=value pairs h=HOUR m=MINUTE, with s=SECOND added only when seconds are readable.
h=7 m=18
